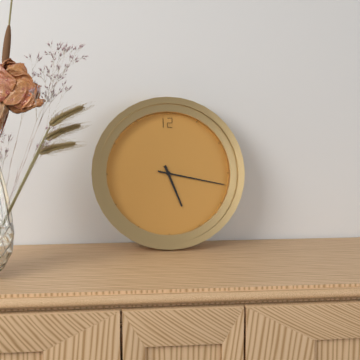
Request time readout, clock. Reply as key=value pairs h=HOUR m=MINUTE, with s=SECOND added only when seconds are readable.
h=5 m=17
